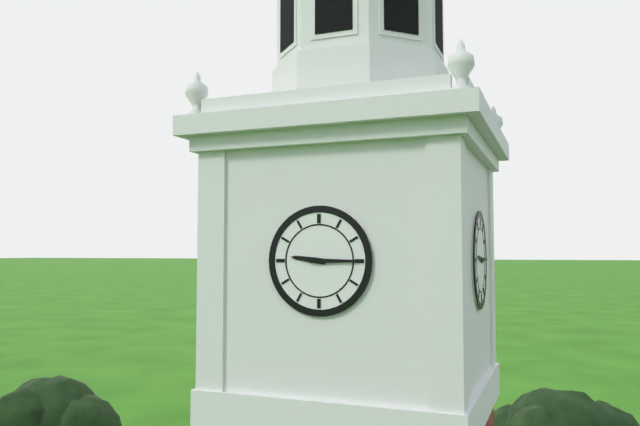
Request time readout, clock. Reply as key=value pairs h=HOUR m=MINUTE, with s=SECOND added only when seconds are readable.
h=9 m=15
